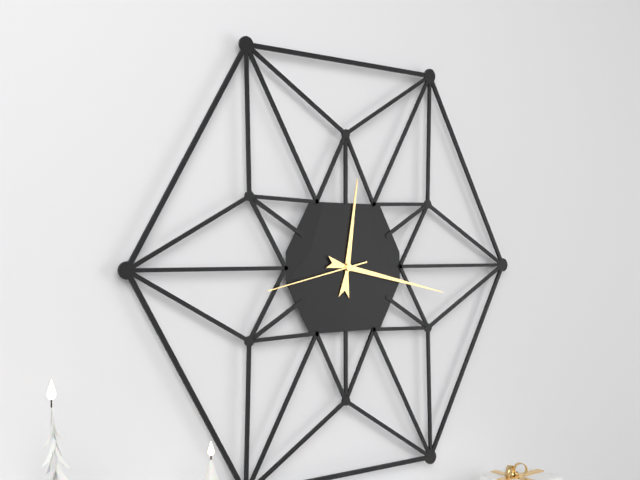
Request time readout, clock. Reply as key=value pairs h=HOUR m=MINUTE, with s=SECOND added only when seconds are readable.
h=12 m=17 s=43
